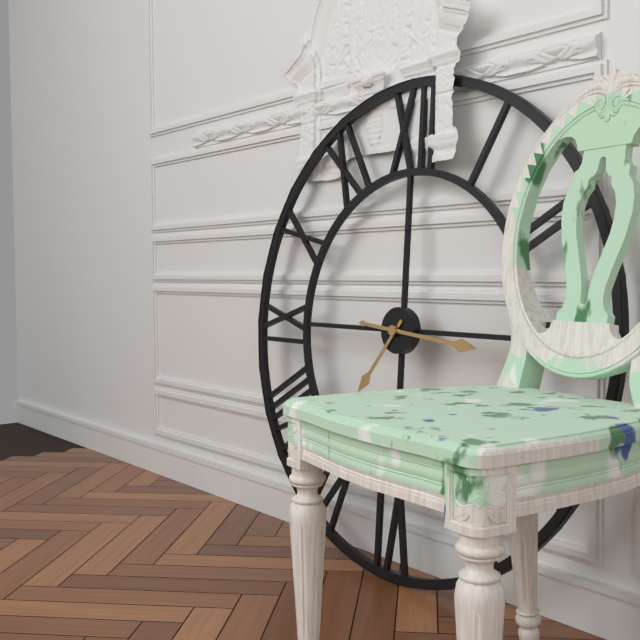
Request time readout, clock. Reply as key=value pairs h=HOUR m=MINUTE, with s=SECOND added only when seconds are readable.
h=7 m=16
